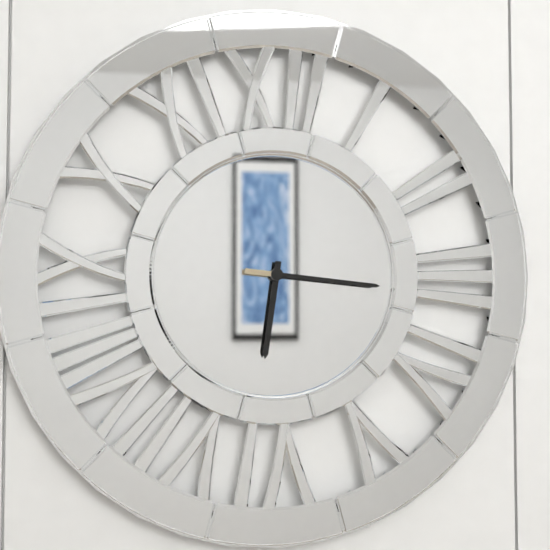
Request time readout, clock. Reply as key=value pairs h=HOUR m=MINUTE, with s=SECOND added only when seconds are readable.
h=6 m=16
